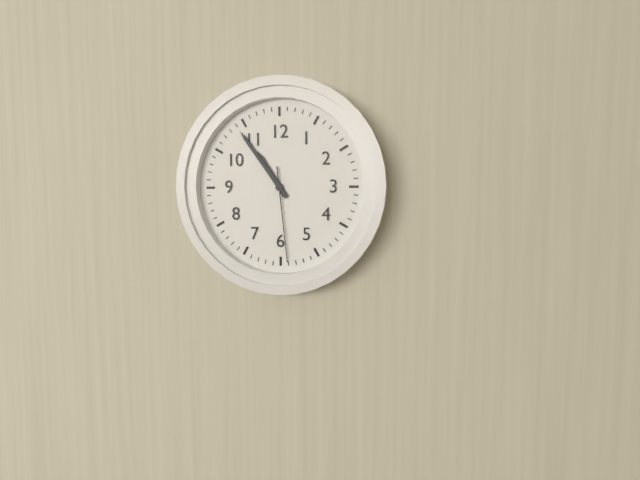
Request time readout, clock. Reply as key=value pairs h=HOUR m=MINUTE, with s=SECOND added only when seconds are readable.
h=10 m=54 s=29
